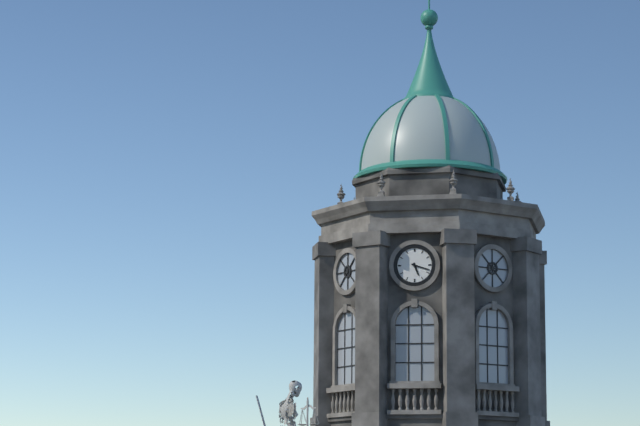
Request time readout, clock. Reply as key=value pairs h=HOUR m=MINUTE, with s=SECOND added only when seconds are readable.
h=5 m=18
